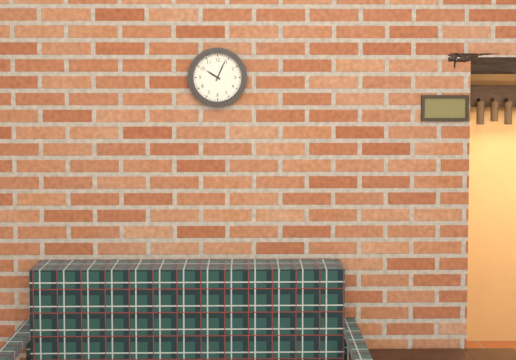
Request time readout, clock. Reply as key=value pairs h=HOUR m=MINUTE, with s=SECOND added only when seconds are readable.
h=10 m=4
